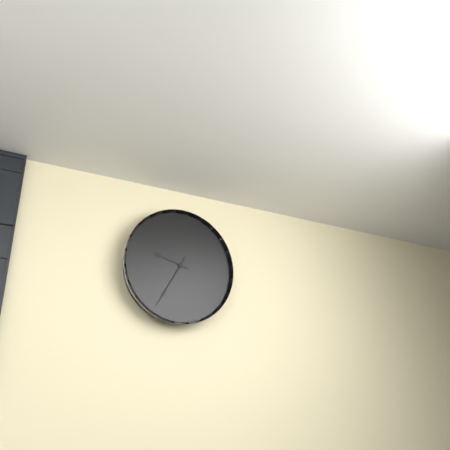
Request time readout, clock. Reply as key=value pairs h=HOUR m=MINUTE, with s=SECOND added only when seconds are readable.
h=9 m=35
